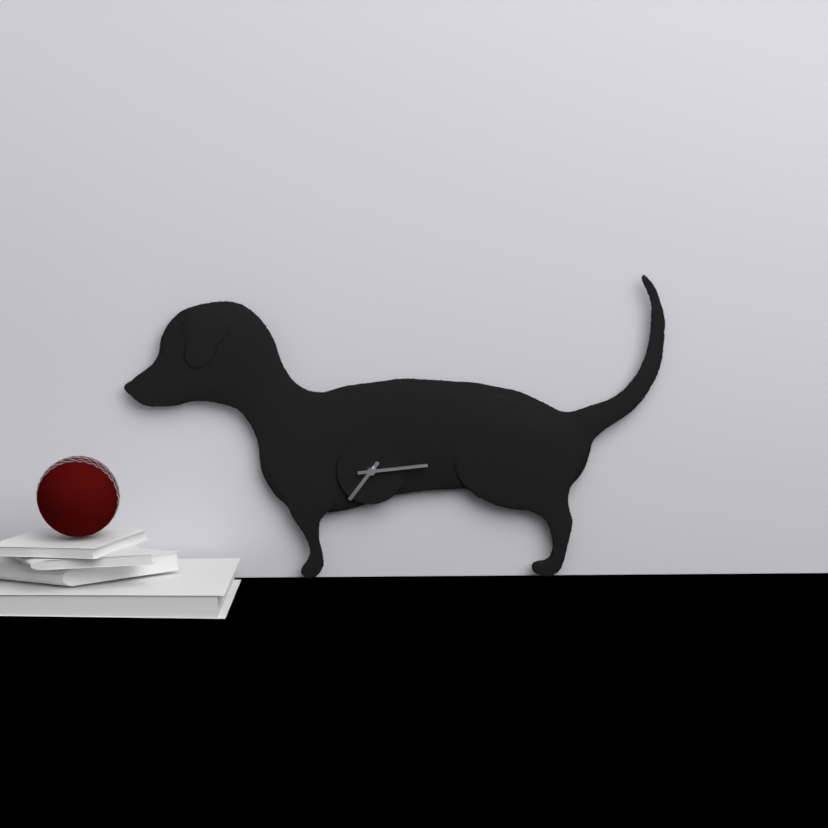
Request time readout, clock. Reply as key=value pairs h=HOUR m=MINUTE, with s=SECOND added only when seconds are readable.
h=7 m=14
